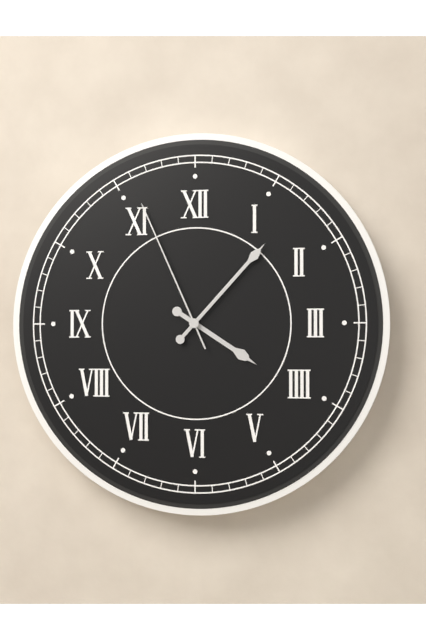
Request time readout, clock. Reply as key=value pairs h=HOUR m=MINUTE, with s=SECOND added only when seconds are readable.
h=4 m=7 s=56
